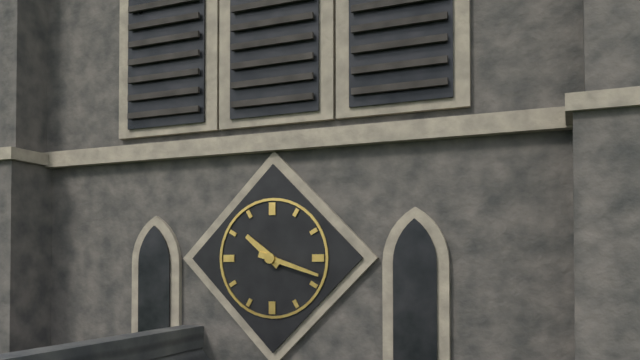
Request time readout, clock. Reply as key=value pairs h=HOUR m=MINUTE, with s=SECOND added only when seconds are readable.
h=10 m=18
